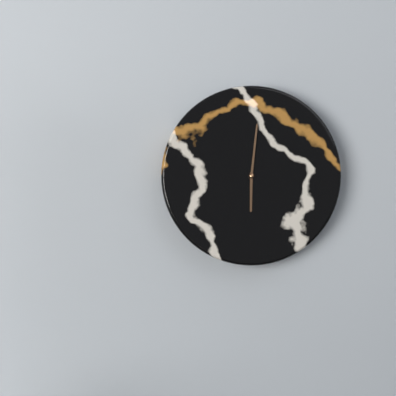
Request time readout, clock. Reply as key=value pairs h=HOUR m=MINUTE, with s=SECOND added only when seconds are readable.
h=6 m=1
